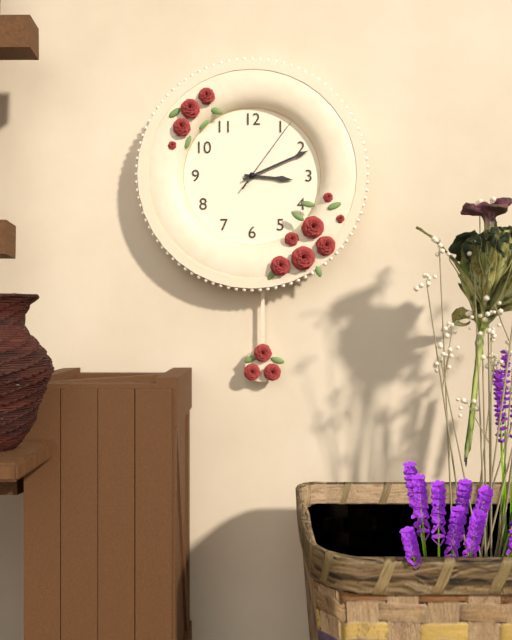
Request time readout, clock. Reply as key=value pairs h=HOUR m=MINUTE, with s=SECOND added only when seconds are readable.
h=3 m=11 s=6
